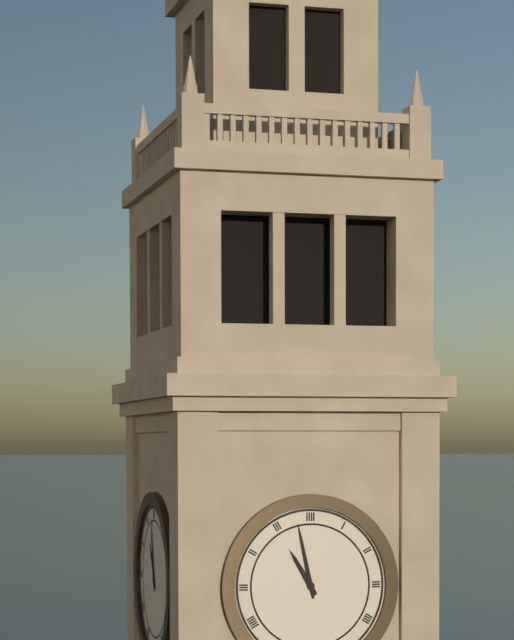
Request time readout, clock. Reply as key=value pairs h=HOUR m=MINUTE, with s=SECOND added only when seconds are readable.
h=10 m=58
